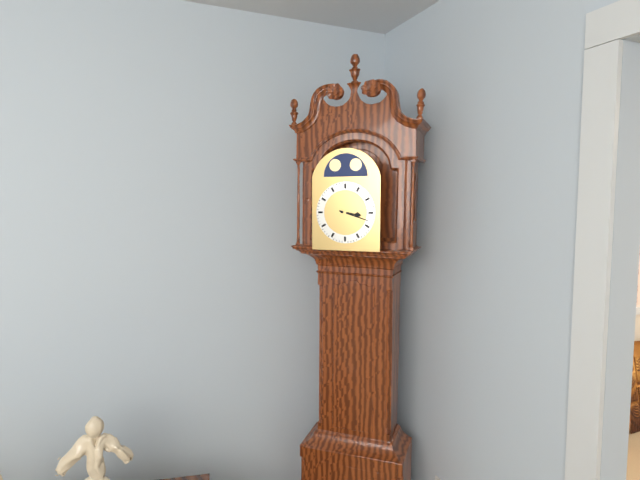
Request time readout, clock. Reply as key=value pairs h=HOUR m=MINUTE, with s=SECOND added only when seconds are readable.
h=3 m=18
